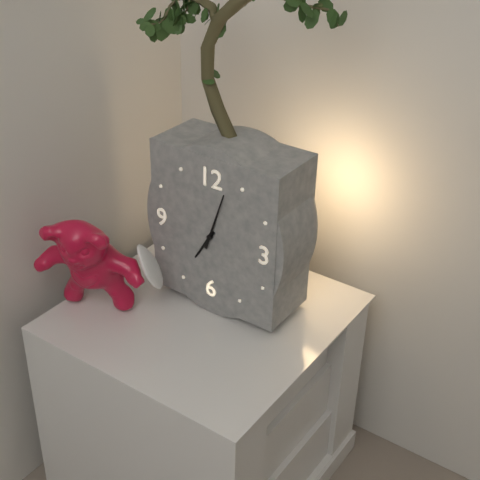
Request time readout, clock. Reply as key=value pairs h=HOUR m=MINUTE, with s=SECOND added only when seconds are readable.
h=7 m=3
